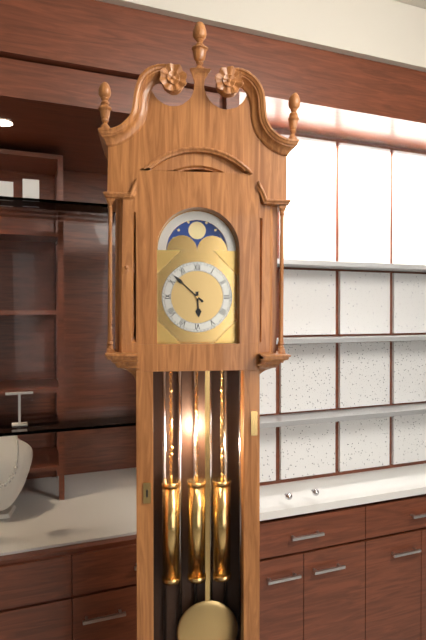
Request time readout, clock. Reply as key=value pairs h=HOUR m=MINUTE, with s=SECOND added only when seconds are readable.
h=5 m=52
